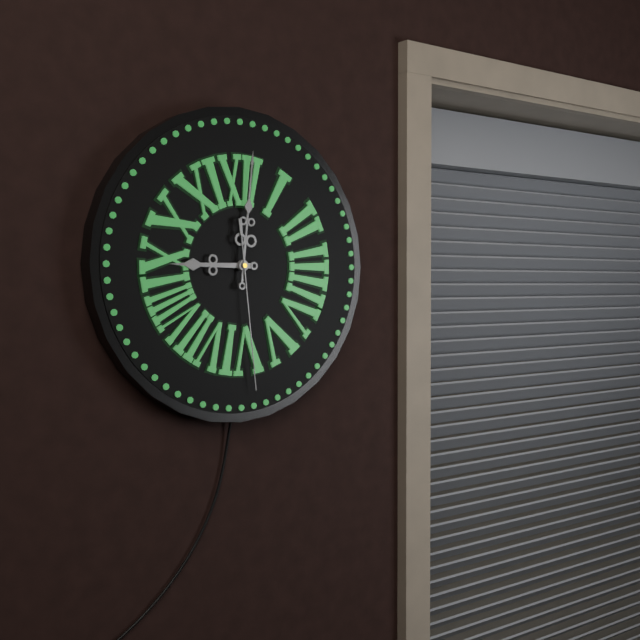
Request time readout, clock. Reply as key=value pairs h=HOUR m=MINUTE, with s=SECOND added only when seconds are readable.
h=9 m=1 s=29
